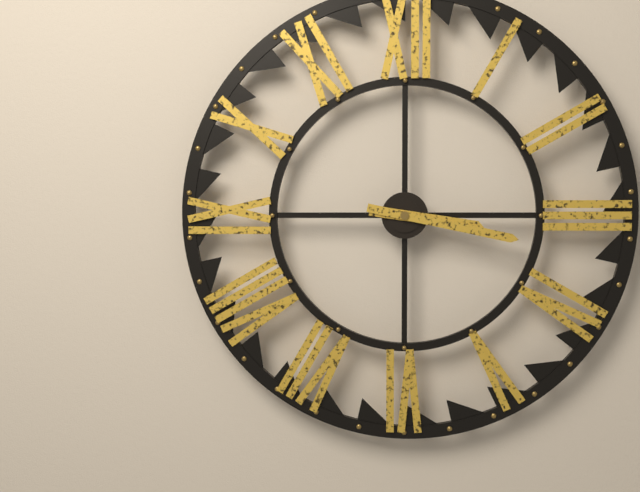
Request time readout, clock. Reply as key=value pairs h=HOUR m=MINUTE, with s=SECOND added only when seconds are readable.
h=3 m=17
